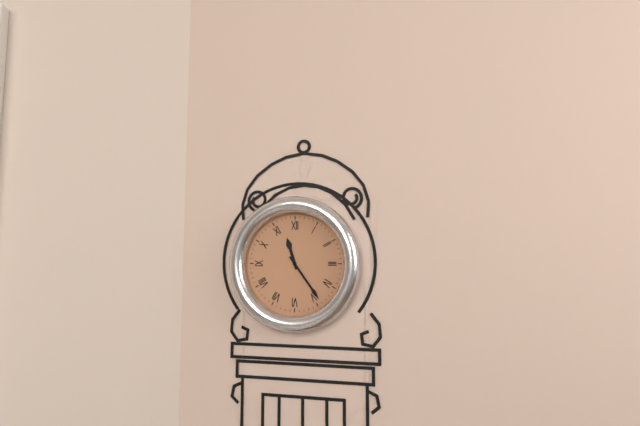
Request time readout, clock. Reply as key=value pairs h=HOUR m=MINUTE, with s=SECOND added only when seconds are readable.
h=11 m=24
